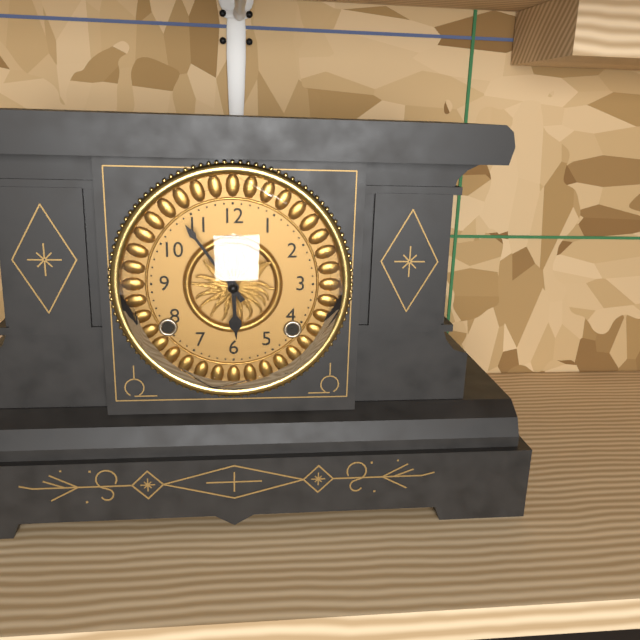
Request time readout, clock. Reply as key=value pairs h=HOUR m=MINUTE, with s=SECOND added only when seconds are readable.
h=5 m=54
